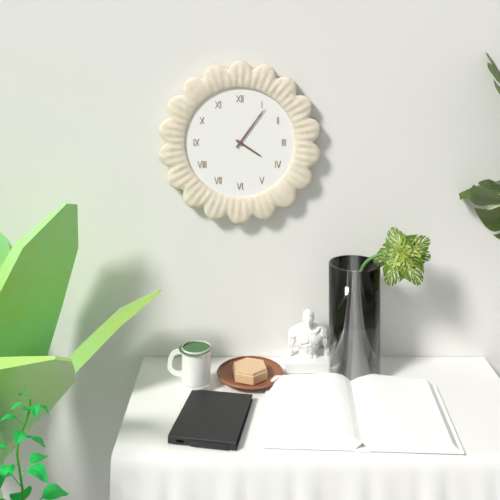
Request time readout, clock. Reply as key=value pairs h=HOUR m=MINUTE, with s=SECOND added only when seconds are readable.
h=4 m=6
